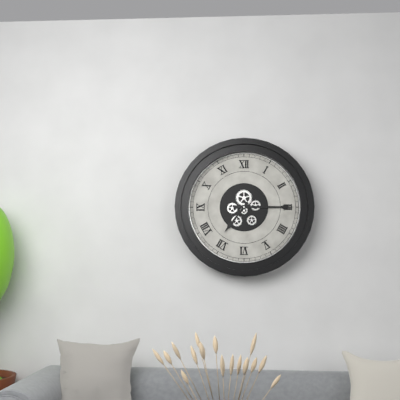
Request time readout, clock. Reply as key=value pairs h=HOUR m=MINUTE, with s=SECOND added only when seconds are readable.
h=7 m=15
